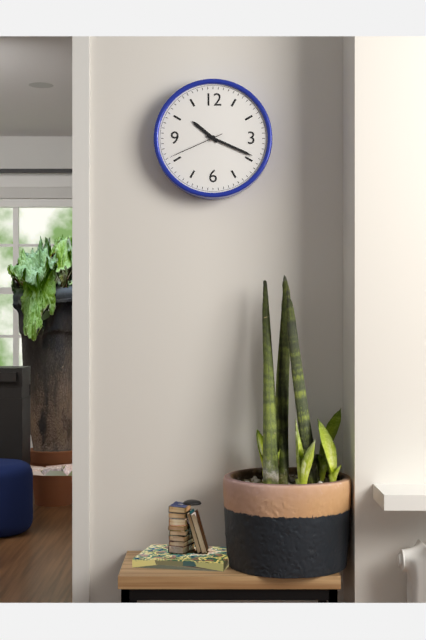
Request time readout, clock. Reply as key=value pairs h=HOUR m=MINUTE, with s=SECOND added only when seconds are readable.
h=10 m=19 s=41
